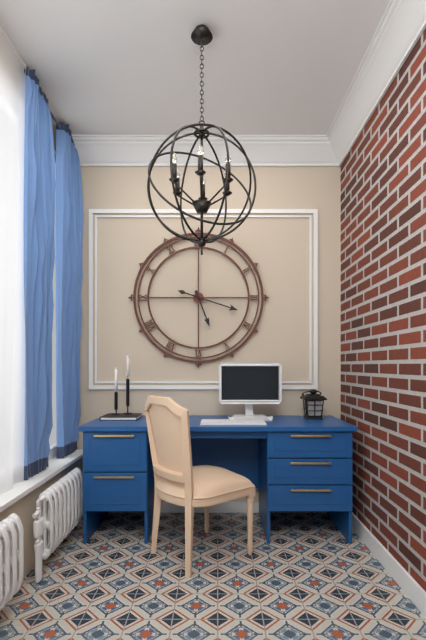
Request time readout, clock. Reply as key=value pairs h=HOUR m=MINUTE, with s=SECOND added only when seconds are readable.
h=5 m=18
